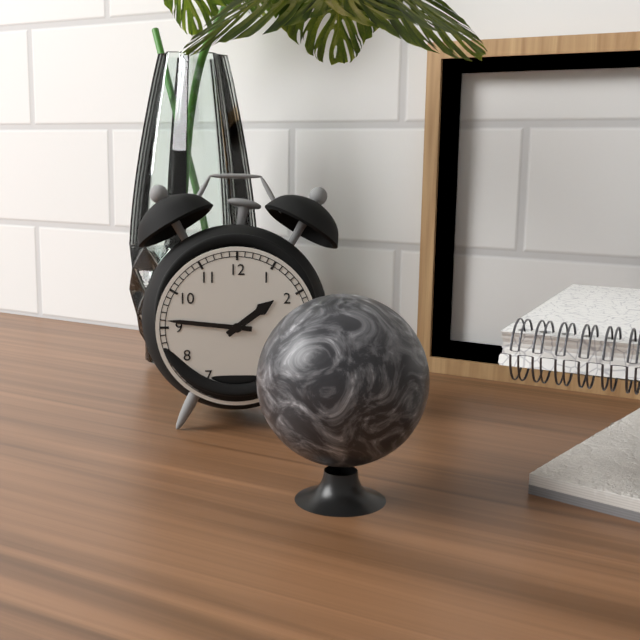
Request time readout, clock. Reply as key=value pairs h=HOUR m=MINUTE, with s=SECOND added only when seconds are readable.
h=1 m=46
